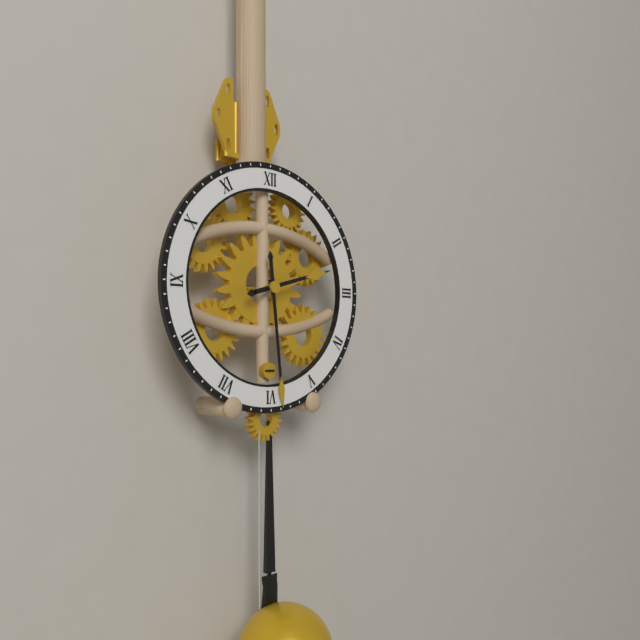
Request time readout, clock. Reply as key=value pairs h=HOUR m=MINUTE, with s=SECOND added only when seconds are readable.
h=2 m=29
